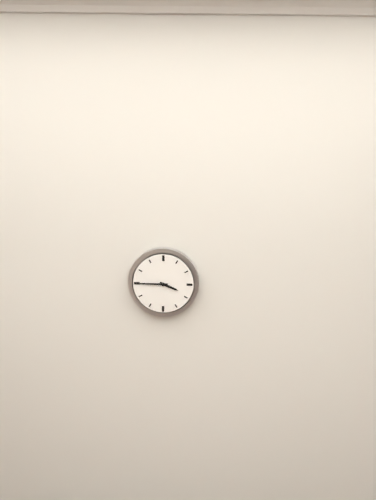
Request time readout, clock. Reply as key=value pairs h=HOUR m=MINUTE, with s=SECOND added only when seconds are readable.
h=3 m=45
